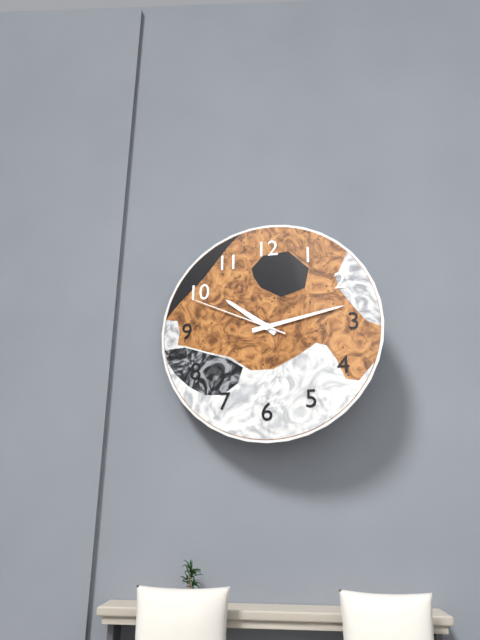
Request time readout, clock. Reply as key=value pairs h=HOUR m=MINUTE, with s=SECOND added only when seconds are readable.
h=10 m=13 s=49
